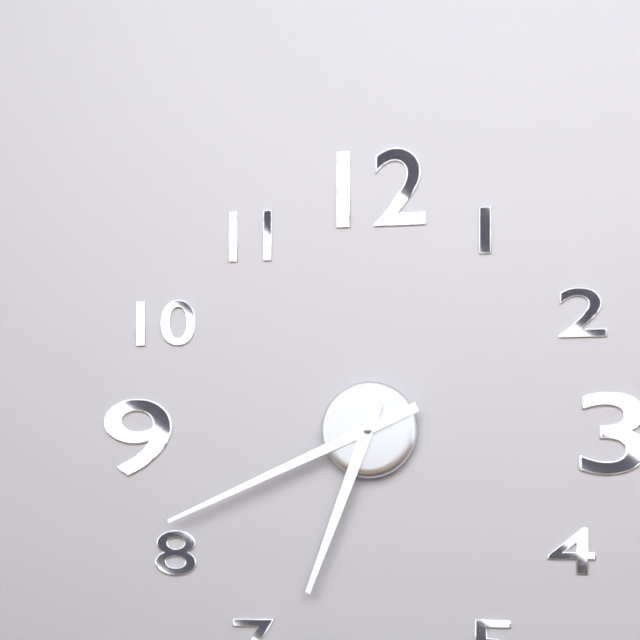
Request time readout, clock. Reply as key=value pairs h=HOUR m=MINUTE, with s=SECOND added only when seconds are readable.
h=6 m=41
